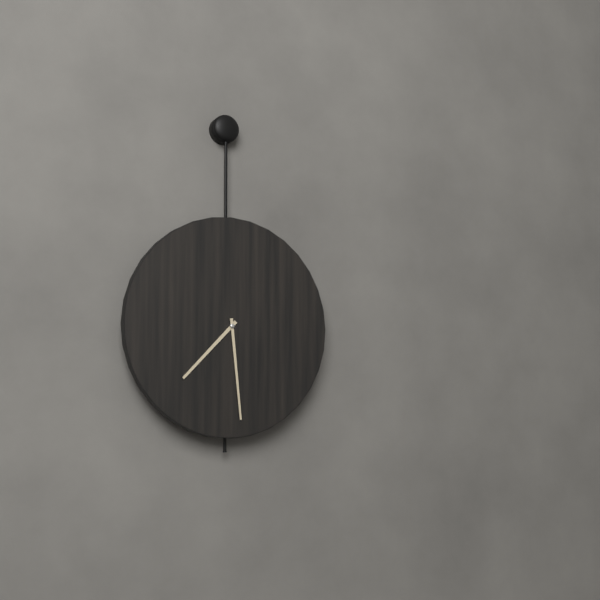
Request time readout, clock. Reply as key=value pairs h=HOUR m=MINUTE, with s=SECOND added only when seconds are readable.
h=7 m=29
